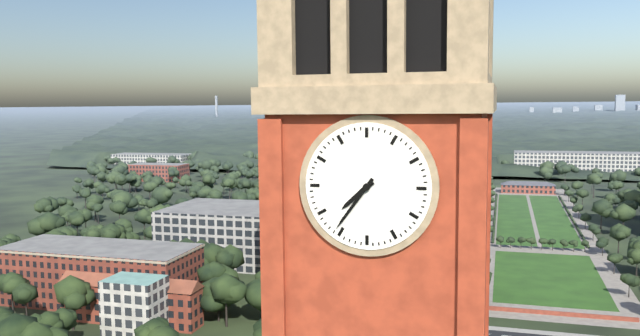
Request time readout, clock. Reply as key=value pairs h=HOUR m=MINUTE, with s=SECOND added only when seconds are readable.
h=7 m=36
